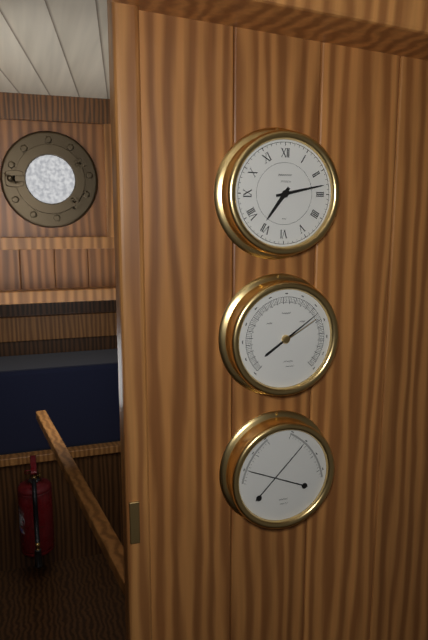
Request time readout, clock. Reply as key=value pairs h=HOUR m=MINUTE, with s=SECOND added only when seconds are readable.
h=7 m=13
